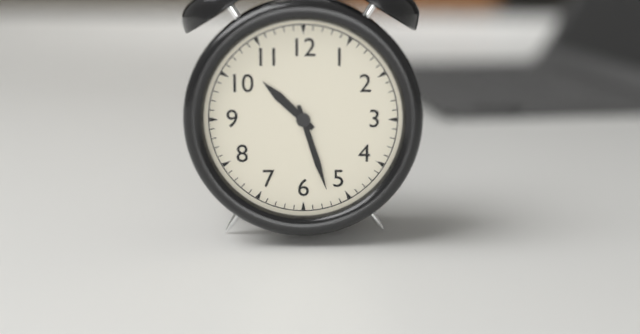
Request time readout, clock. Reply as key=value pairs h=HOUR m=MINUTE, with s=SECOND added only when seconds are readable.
h=10 m=27
